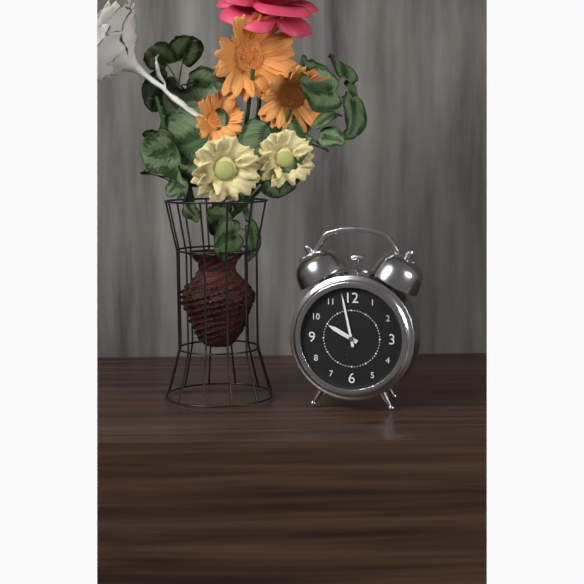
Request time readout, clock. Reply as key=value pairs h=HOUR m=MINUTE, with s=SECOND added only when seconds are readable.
h=9 m=58
